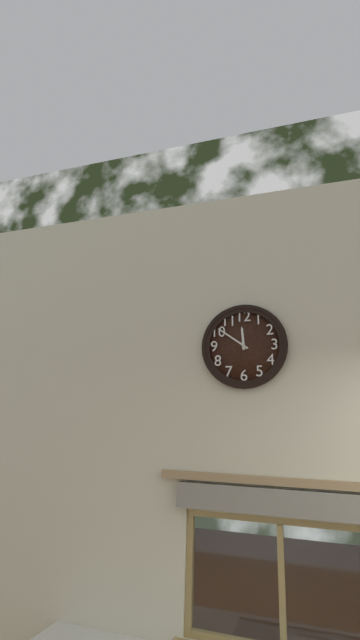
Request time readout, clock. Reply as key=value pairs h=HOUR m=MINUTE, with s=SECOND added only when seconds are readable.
h=11 m=51
